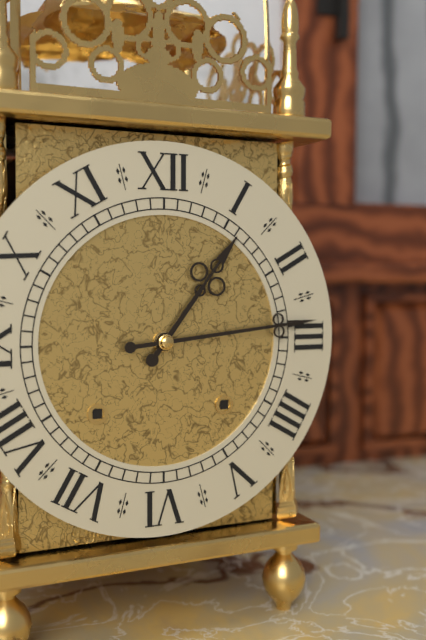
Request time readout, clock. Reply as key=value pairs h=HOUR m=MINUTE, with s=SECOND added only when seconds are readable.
h=1 m=14
